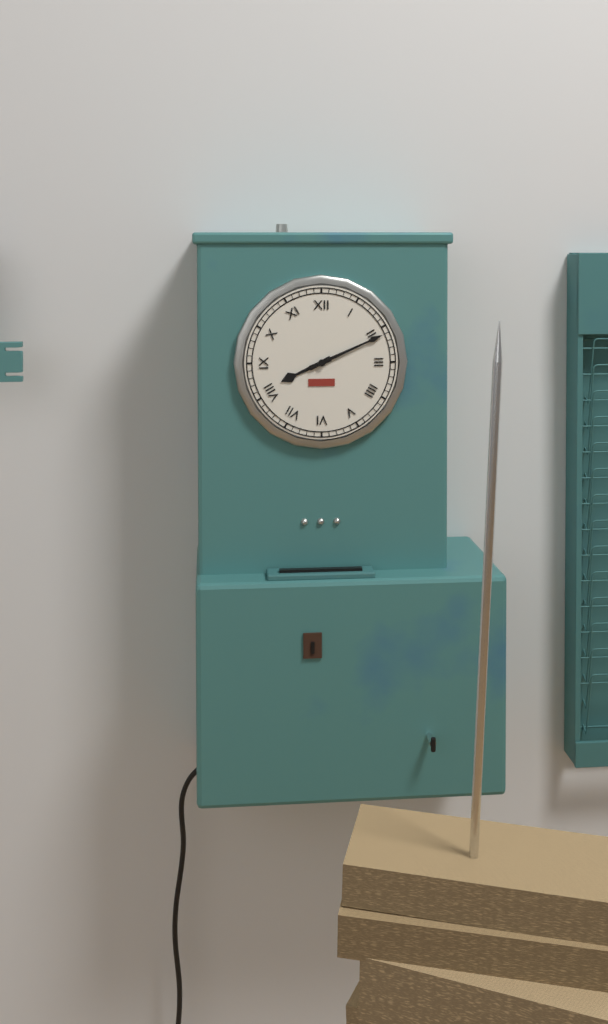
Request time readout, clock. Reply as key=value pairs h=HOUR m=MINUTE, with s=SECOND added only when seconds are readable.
h=8 m=11
